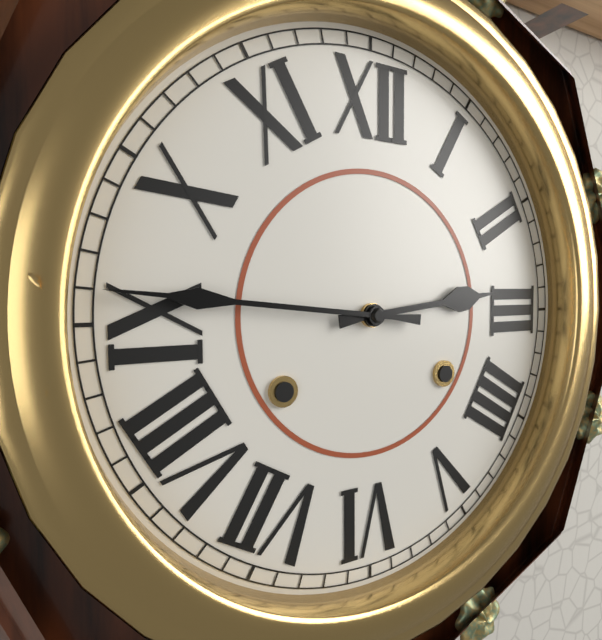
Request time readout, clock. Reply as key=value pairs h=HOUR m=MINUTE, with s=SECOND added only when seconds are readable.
h=2 m=46
